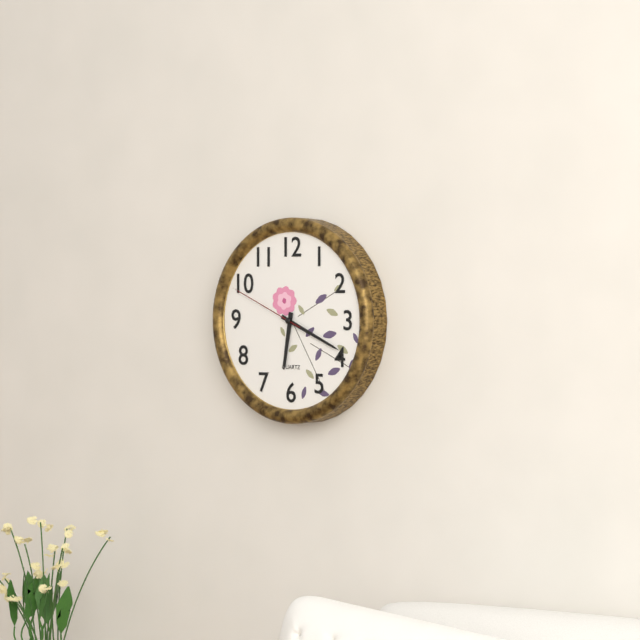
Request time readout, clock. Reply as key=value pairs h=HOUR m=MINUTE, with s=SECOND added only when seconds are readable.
h=6 m=19 s=49
